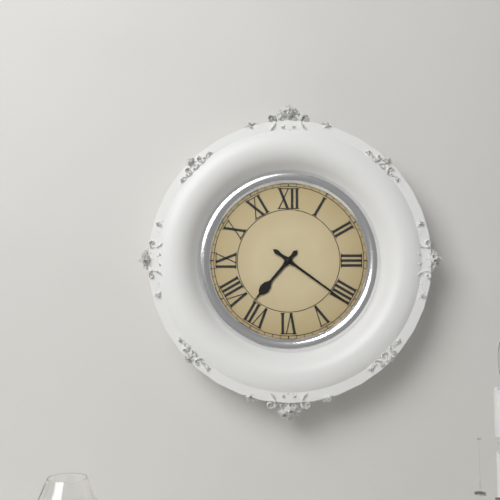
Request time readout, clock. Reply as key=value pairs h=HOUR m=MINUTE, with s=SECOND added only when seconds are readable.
h=7 m=21
